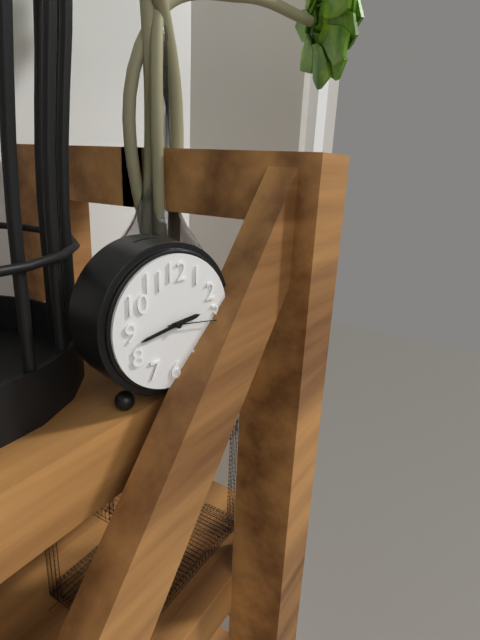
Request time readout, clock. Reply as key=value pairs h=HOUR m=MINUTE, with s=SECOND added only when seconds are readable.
h=2 m=43
